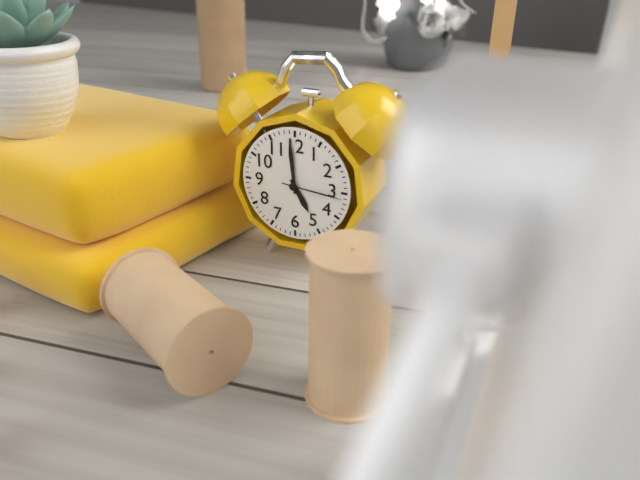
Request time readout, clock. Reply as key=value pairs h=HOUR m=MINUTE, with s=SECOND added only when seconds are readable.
h=4 m=59 s=16
